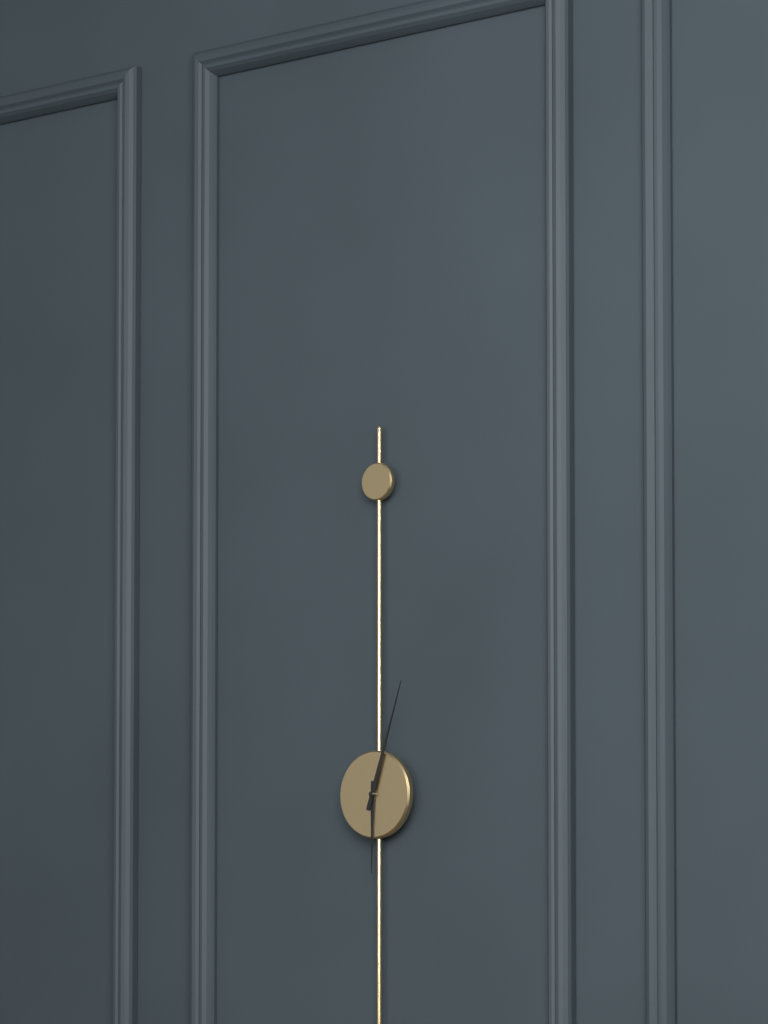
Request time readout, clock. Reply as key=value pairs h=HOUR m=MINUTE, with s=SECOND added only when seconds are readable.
h=6 m=3
